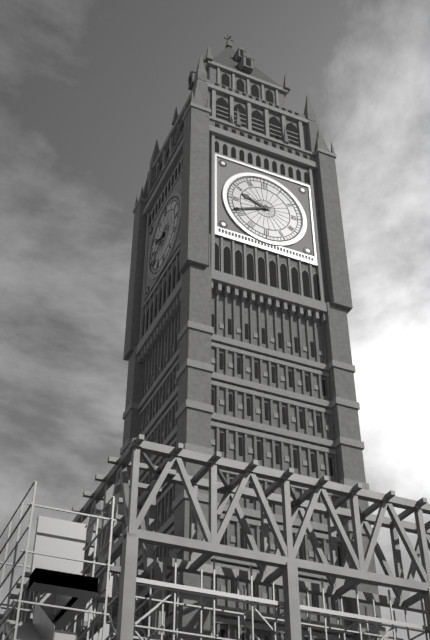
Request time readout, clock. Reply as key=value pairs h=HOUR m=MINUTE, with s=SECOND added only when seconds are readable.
h=9 m=41
